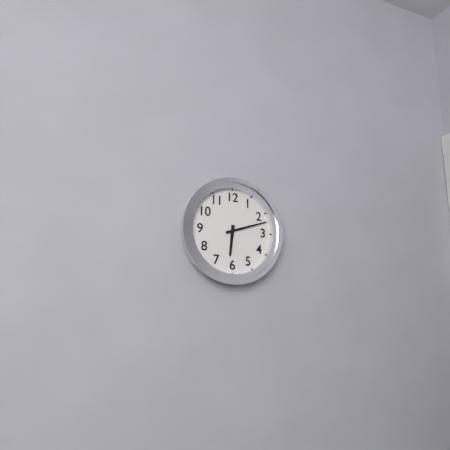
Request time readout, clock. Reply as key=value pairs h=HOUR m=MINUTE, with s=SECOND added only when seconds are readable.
h=6 m=12
